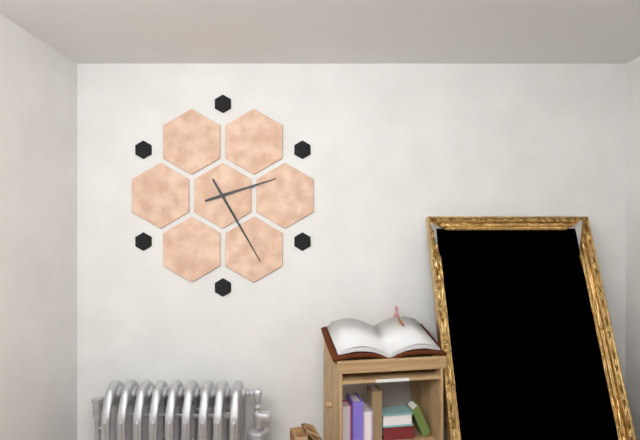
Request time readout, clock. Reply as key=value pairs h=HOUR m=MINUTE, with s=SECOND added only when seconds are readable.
h=2 m=25
